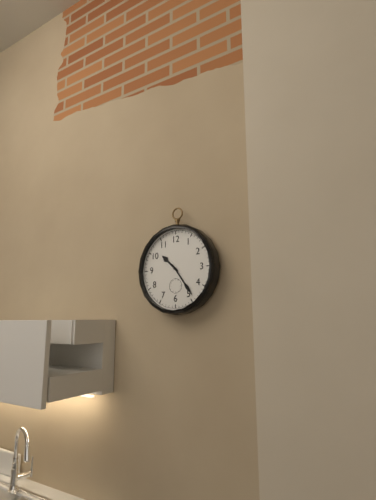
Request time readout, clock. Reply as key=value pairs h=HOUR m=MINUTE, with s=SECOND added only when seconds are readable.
h=10 m=24
